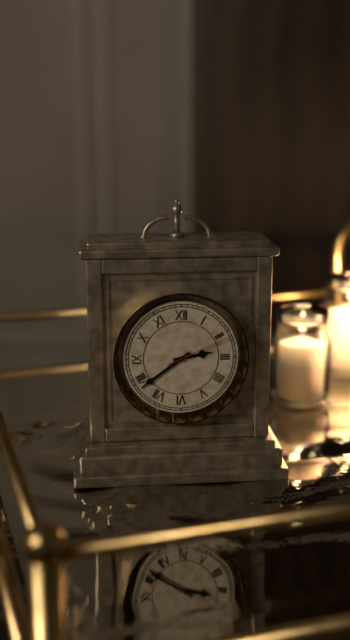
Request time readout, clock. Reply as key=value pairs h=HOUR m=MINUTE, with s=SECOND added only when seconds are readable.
h=2 m=39 s=11
